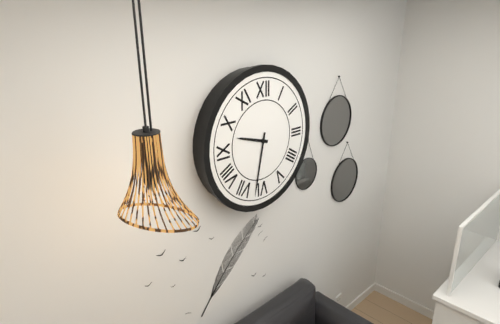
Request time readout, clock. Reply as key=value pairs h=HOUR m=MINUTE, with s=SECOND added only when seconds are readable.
h=9 m=32
